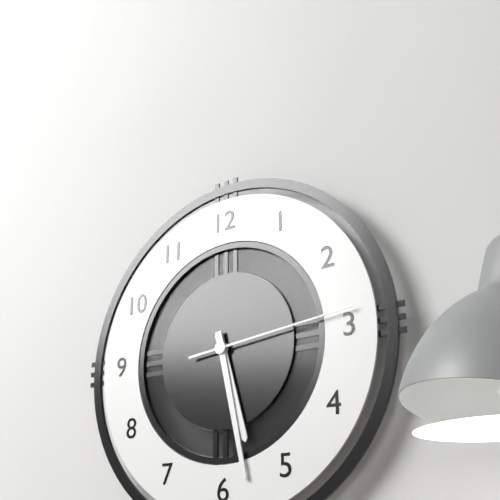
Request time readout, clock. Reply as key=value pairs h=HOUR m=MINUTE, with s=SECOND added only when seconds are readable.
h=5 m=28 s=14
